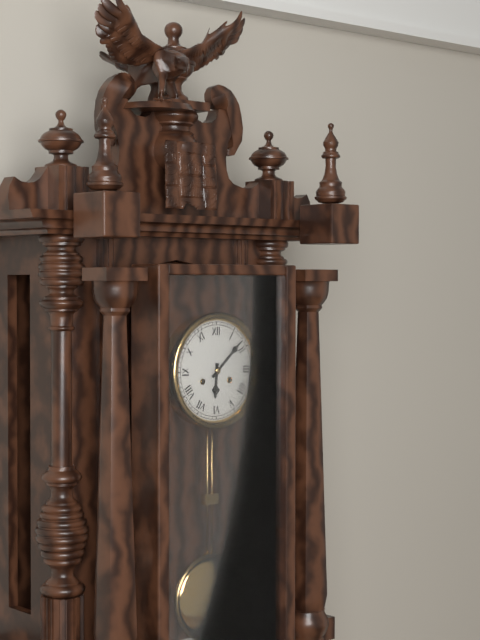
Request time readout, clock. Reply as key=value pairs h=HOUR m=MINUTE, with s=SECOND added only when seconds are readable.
h=6 m=8
